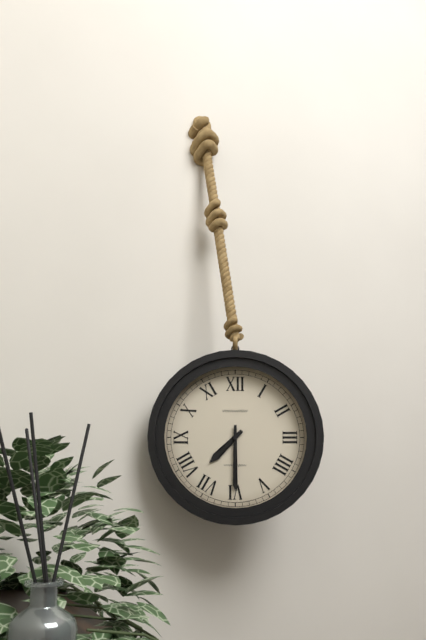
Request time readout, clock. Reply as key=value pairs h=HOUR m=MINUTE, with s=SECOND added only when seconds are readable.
h=7 m=30
